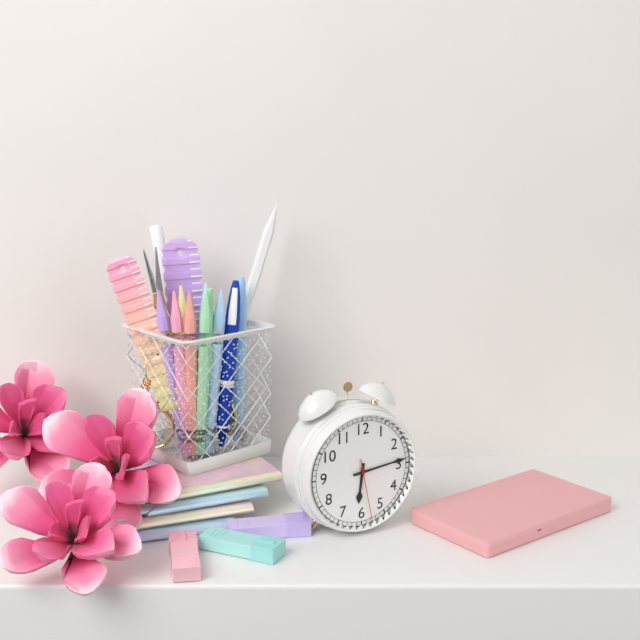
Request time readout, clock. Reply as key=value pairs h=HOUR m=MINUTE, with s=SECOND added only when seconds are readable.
h=6 m=14 s=28
